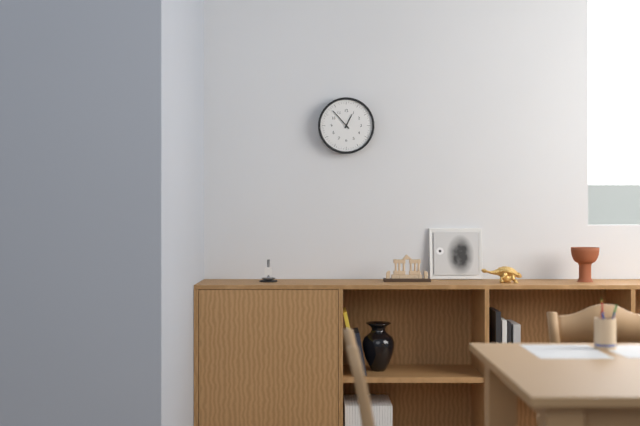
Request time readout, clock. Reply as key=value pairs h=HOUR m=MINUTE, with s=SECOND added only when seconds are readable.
h=12 m=53
